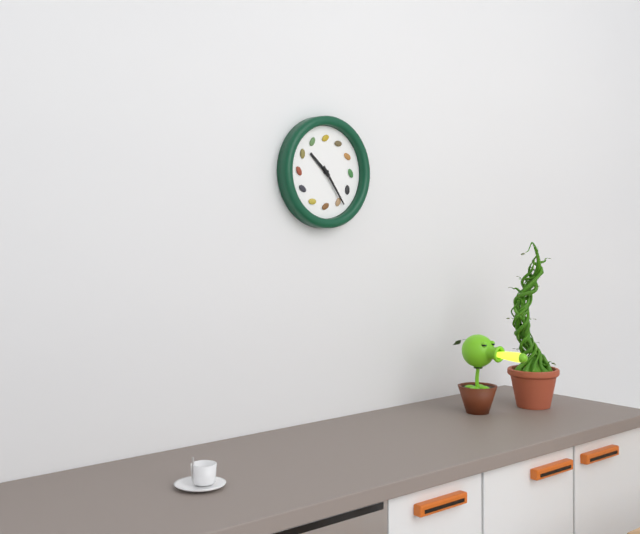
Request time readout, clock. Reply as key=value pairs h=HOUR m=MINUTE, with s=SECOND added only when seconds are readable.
h=10 m=24
